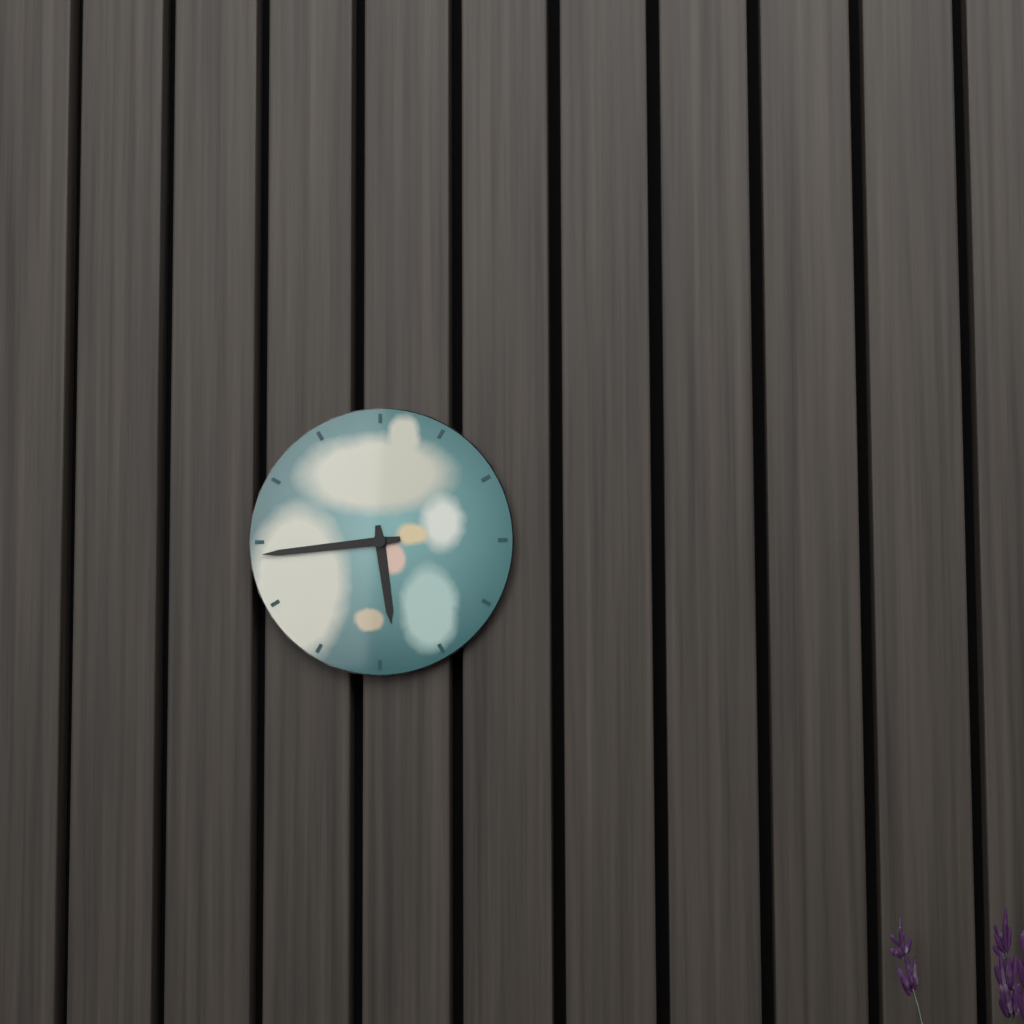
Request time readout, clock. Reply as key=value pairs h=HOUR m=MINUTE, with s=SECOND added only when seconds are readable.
h=5 m=44
